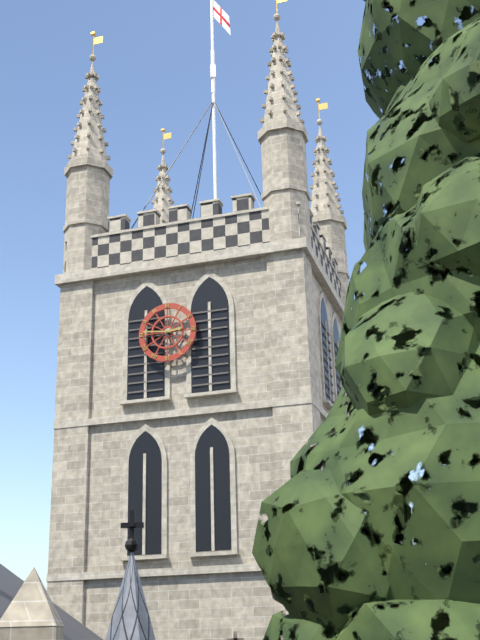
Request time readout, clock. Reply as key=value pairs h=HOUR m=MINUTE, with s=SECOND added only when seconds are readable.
h=2 m=46
